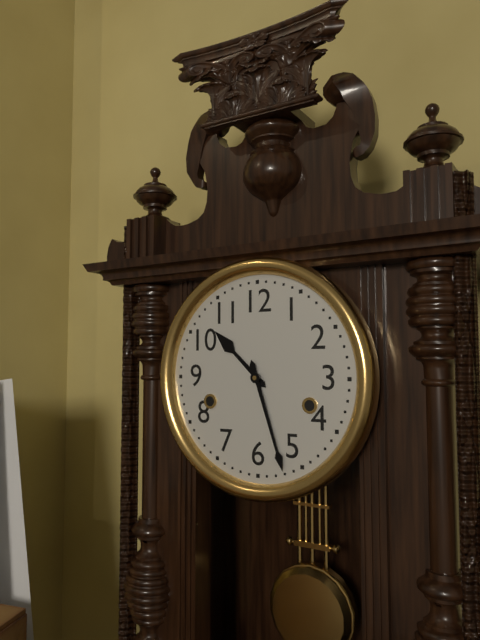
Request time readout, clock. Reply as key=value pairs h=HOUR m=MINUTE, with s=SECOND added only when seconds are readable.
h=10 m=27
